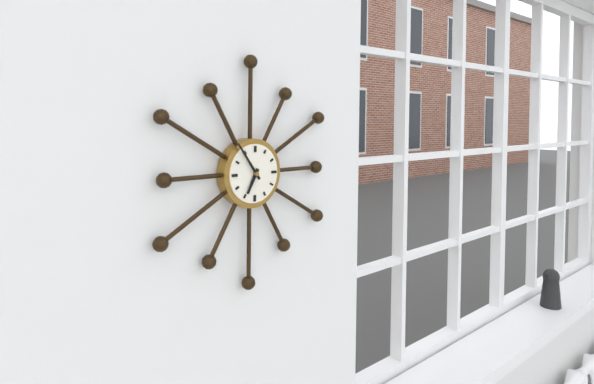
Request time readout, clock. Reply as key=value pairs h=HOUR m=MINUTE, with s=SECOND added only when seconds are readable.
h=6 m=54
